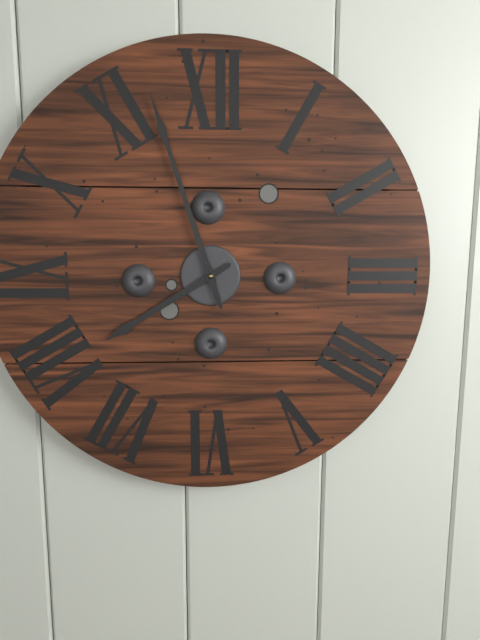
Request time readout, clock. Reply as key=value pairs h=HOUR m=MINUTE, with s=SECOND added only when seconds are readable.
h=7 m=57
